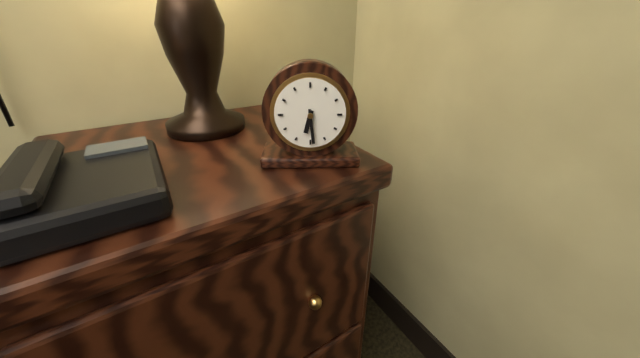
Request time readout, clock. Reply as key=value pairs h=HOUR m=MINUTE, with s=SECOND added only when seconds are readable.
h=6 m=29
